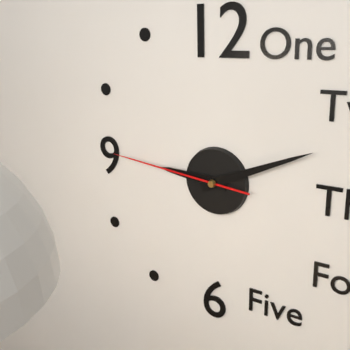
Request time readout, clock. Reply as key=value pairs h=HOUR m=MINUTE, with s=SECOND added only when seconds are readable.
h=9 m=11 s=46
